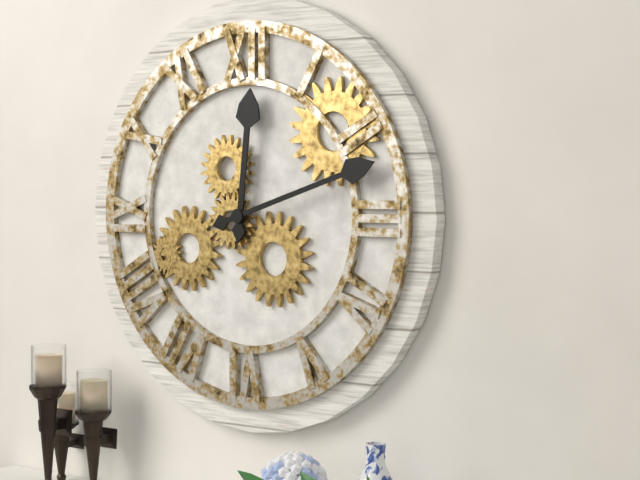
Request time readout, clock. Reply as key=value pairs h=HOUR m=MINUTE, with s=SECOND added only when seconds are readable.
h=12 m=12
